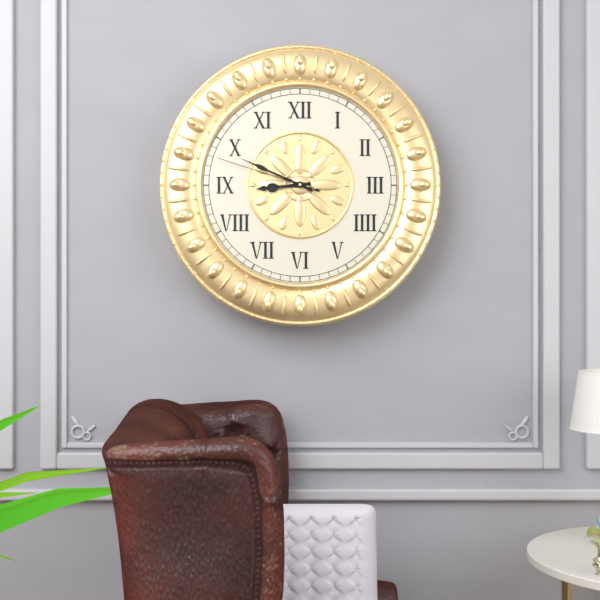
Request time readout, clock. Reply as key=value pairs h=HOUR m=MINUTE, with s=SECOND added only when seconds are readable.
h=8 m=49 s=48
